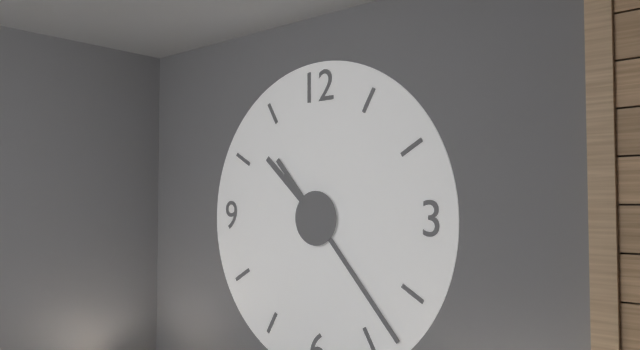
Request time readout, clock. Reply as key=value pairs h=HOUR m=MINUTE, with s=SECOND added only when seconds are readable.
h=10 m=23
